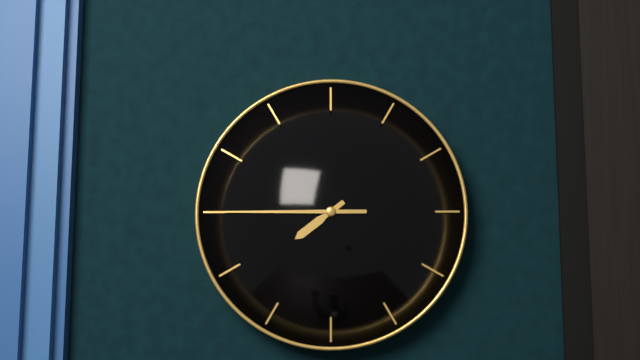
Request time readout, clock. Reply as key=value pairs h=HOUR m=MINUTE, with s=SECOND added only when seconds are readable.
h=7 m=45
